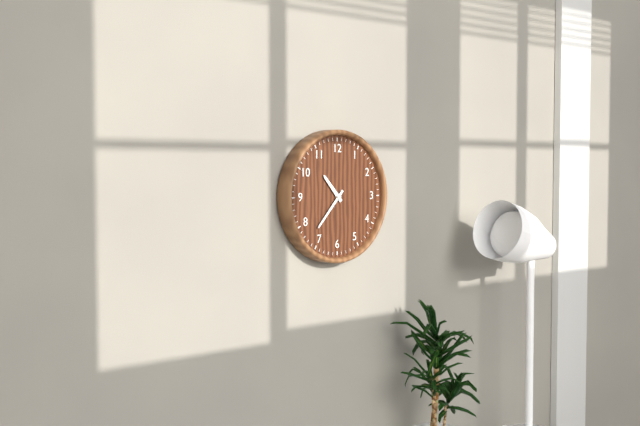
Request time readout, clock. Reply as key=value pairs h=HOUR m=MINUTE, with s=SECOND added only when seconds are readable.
h=10 m=37
